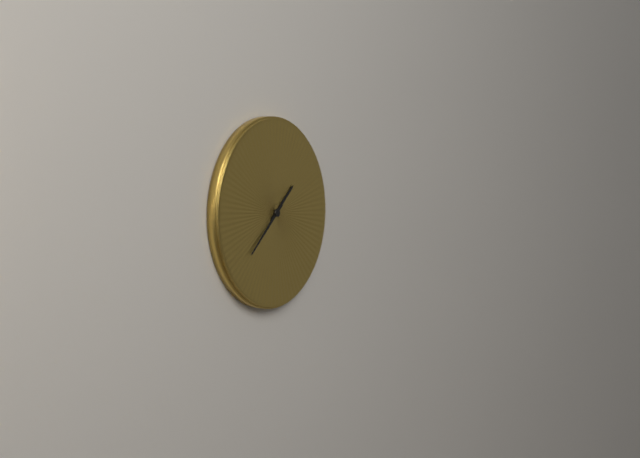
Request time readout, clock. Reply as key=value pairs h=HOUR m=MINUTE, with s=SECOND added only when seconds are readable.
h=1 m=38
